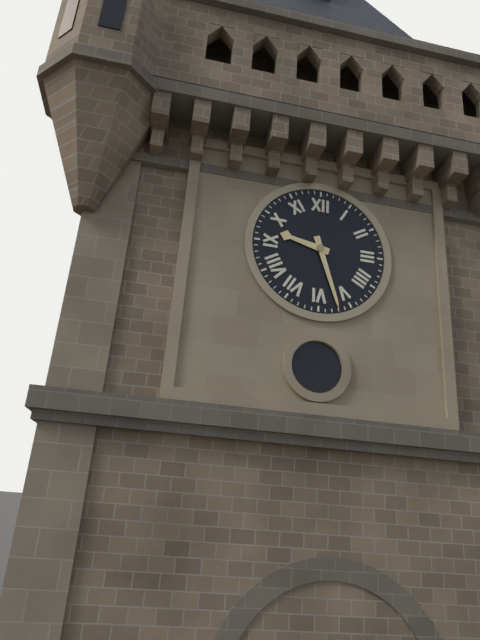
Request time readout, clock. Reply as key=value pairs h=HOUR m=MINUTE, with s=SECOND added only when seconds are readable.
h=9 m=27
